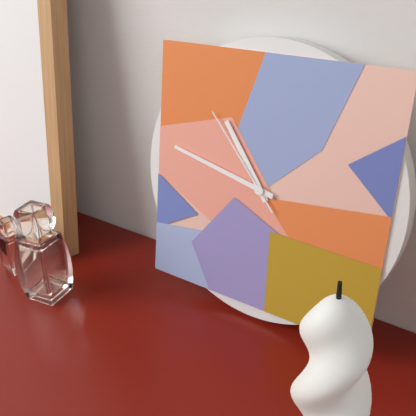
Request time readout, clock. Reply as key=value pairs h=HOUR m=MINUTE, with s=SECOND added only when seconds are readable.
h=10 m=47 s=53
